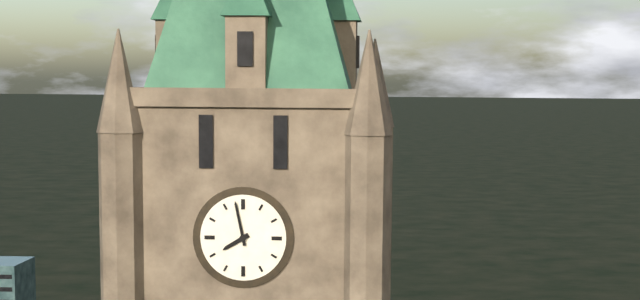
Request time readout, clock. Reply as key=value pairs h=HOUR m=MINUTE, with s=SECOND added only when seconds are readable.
h=7 m=58
